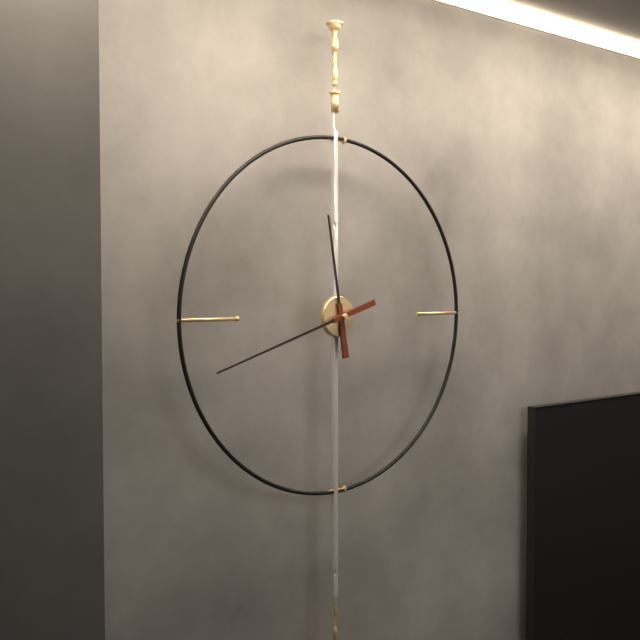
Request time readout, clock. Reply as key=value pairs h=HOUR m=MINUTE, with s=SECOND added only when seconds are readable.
h=11 m=42
